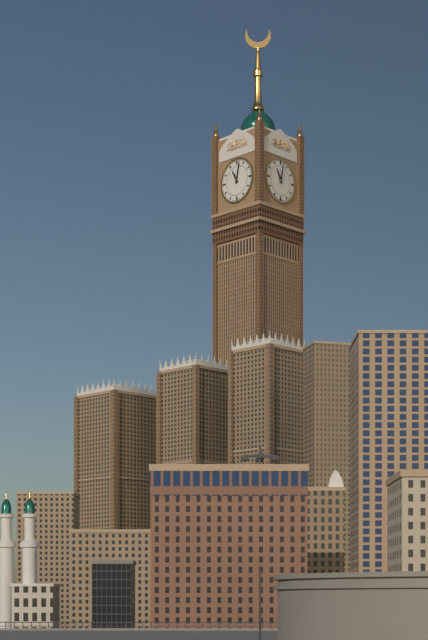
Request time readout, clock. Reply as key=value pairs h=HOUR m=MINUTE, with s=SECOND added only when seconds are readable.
h=11 m=2
